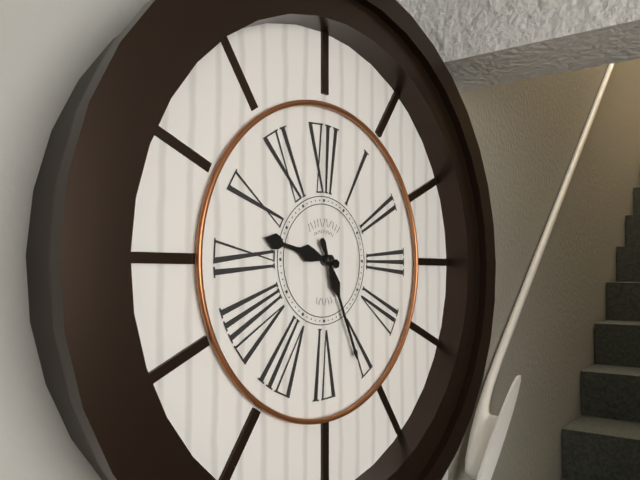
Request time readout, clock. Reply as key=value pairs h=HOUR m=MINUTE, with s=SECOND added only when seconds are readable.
h=9 m=26
